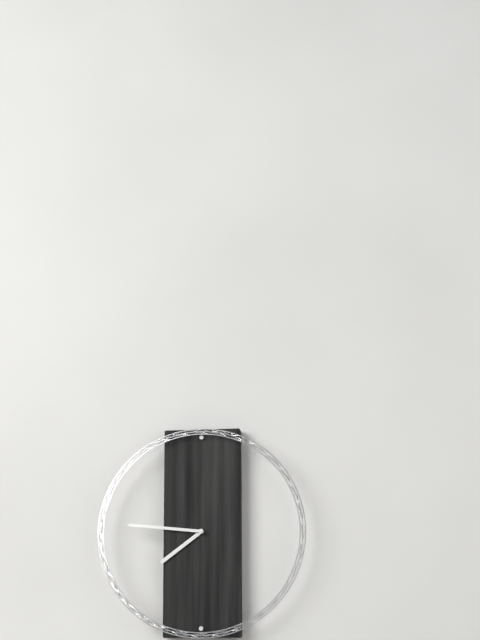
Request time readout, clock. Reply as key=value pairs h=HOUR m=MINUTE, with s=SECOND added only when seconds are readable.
h=7 m=46
